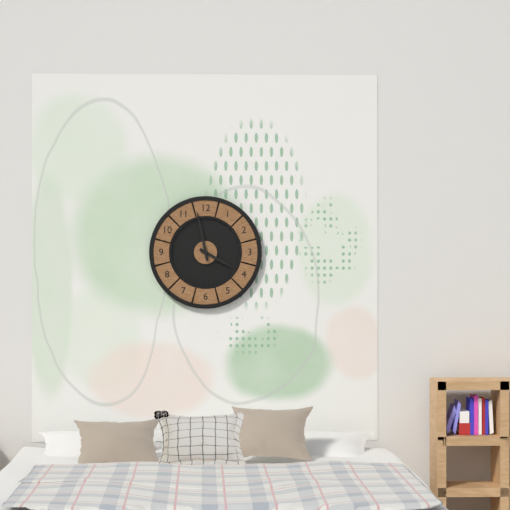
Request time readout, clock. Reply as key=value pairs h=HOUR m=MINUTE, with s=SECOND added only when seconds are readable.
h=3 m=58
